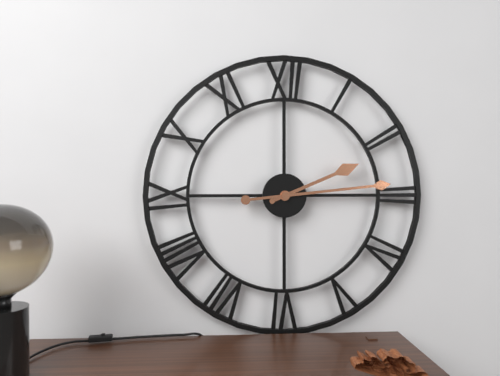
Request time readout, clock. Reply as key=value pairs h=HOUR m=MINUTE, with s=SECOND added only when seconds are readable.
h=2 m=14
